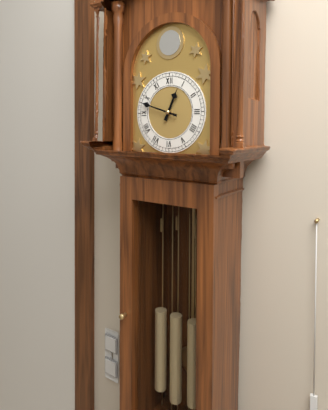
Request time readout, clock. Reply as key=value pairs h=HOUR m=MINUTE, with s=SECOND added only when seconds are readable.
h=12 m=48
